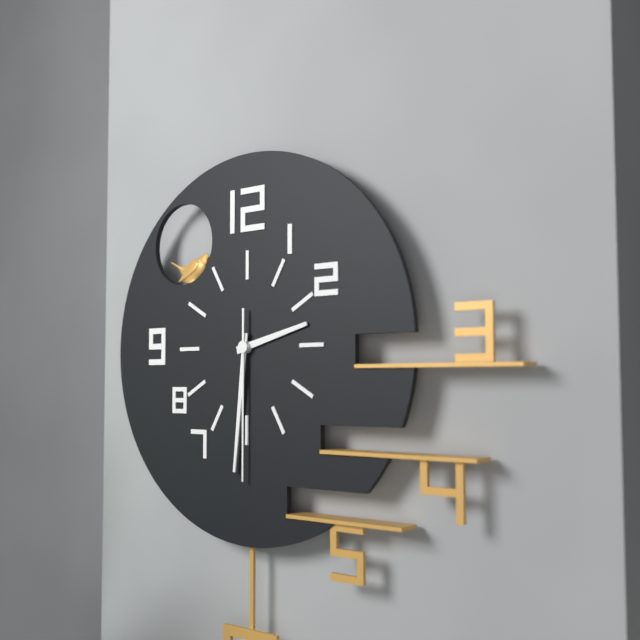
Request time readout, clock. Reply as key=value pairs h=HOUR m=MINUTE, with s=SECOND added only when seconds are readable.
h=2 m=31 s=30
